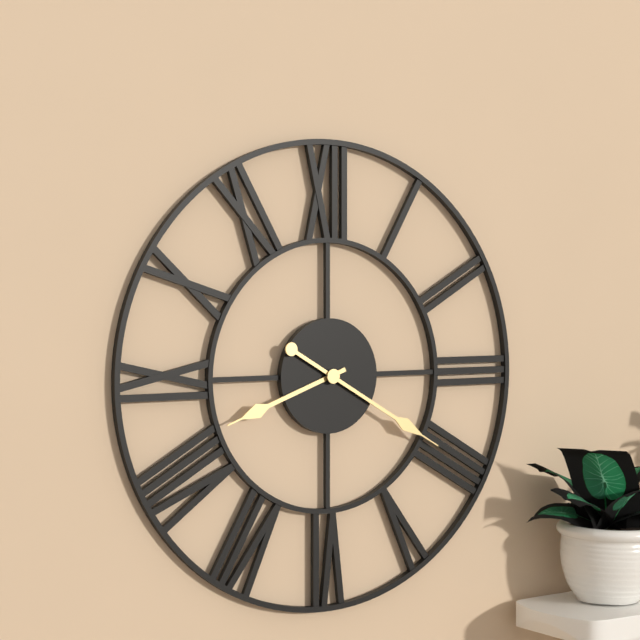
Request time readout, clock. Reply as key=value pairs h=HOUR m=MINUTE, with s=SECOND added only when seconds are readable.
h=8 m=20
